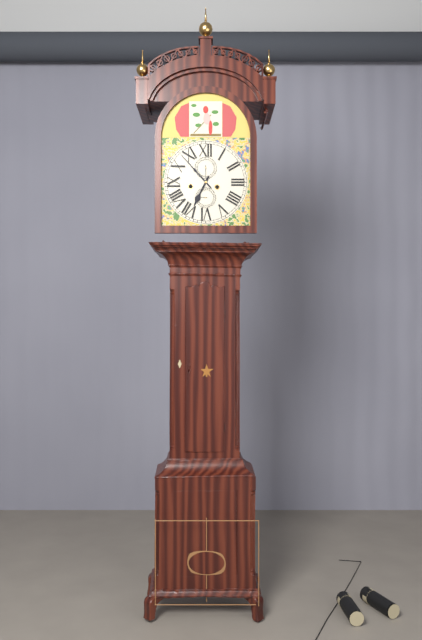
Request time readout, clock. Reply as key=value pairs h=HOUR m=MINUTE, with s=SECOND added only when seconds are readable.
h=6 m=53
